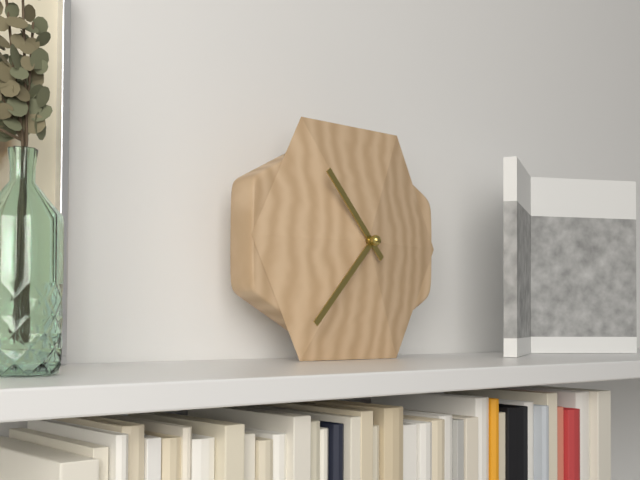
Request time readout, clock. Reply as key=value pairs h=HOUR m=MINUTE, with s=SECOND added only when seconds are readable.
h=10 m=37
